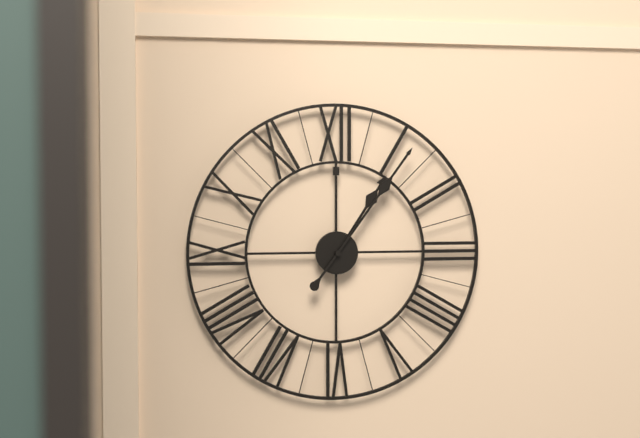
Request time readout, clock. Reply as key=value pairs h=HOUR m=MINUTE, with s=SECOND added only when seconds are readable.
h=1 m=6
